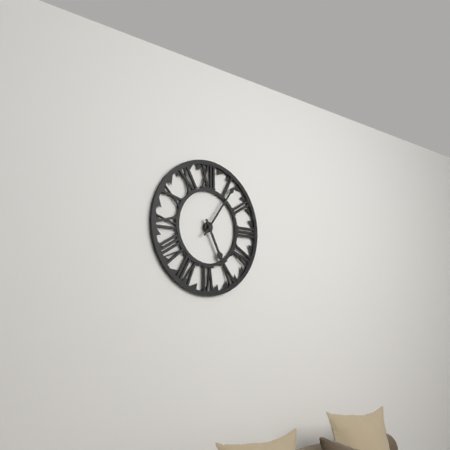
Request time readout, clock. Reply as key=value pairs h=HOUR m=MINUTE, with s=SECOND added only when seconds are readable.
h=5 m=6
